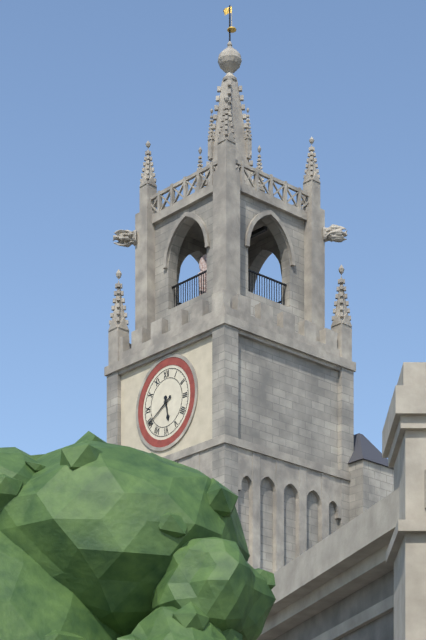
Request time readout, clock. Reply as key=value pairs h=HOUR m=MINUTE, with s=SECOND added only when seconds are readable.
h=5 m=40
